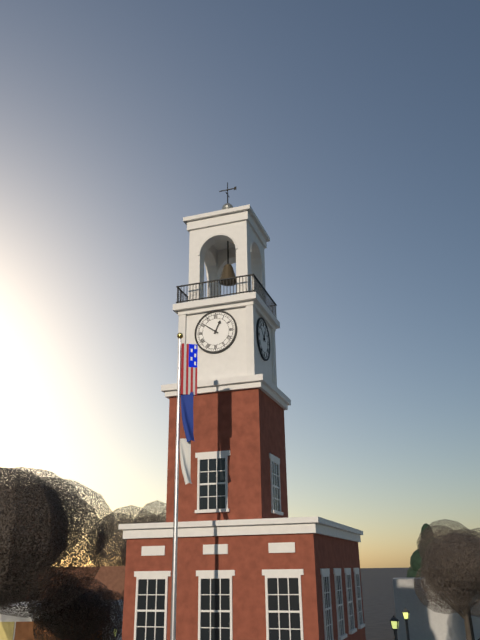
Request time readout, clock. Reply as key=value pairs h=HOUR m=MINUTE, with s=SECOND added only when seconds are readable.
h=12 m=51
